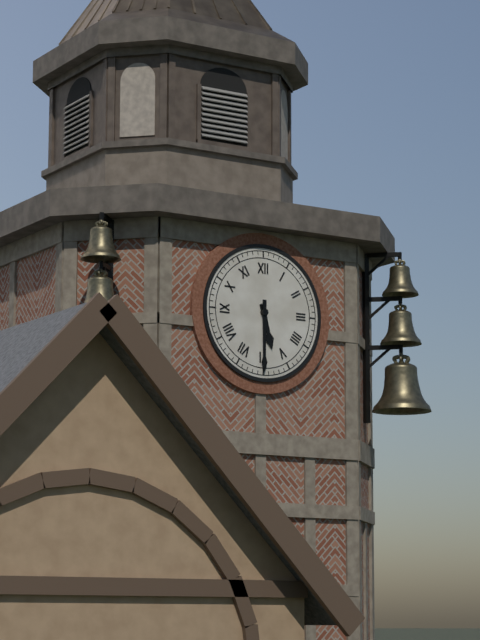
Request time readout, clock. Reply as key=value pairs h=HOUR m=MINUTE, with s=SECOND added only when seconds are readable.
h=5 m=30
